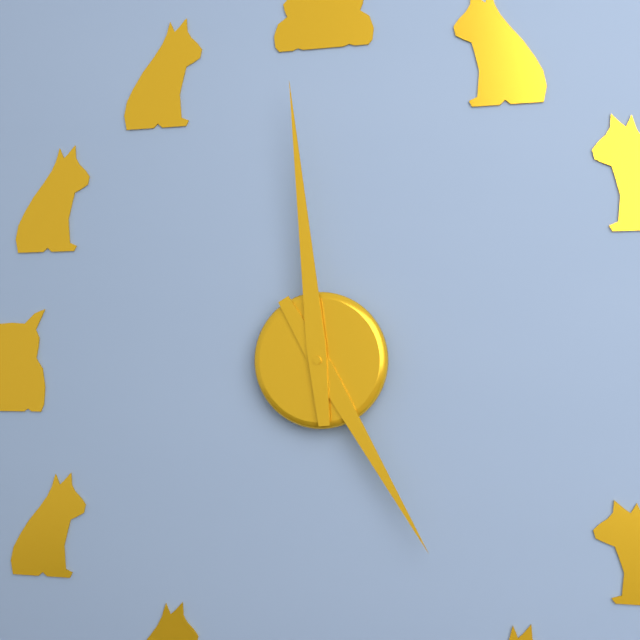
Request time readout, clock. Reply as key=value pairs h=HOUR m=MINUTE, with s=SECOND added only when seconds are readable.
h=4 m=59
